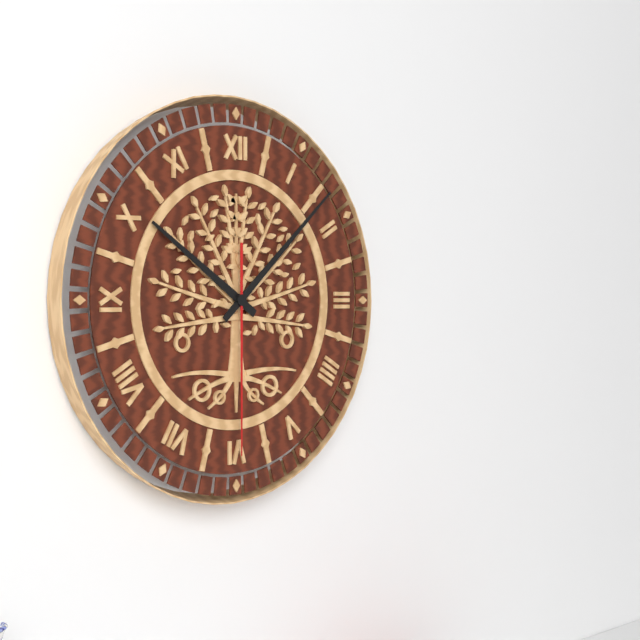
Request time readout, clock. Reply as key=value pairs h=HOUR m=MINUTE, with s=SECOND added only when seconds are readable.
h=10 m=8 s=30
